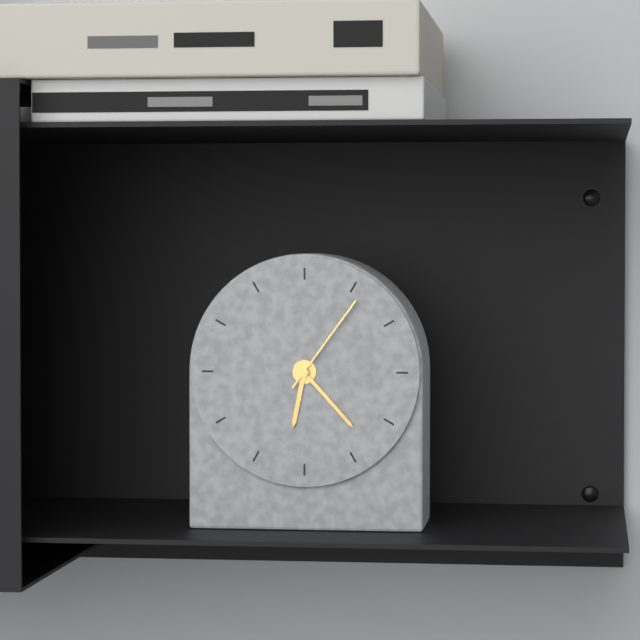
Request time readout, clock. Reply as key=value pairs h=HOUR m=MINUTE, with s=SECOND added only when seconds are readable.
h=6 m=23 s=6
